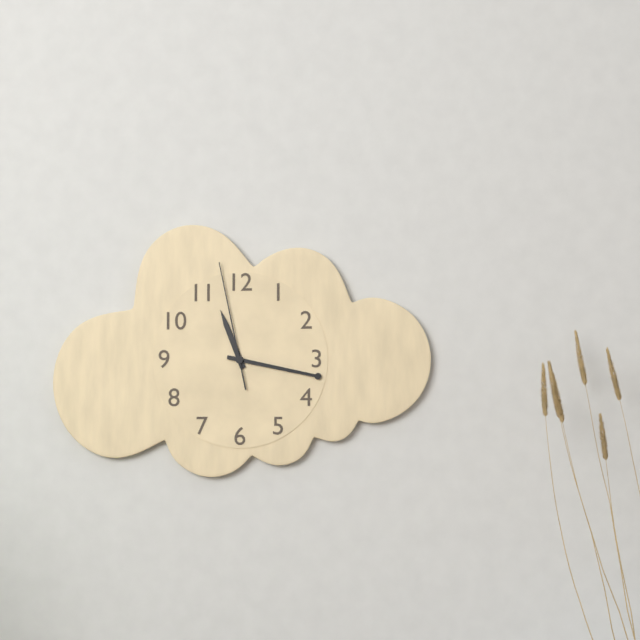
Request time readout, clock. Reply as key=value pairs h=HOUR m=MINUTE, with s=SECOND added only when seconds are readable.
h=11 m=17 s=58
